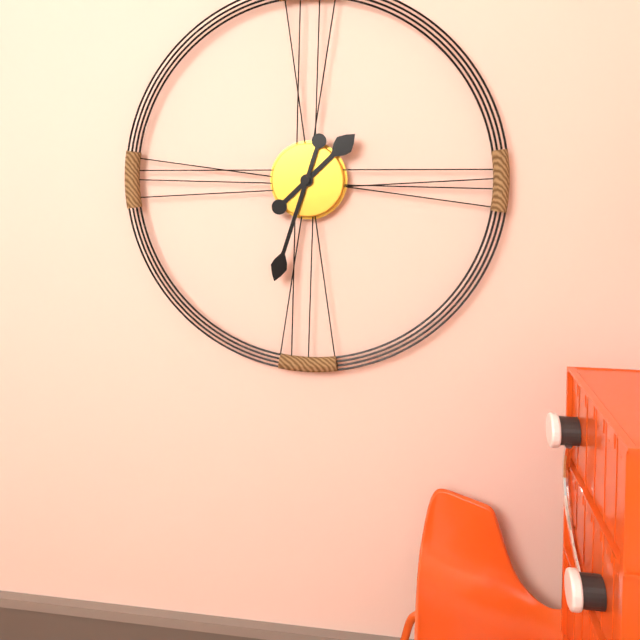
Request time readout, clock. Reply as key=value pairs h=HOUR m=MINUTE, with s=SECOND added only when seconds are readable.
h=1 m=33
